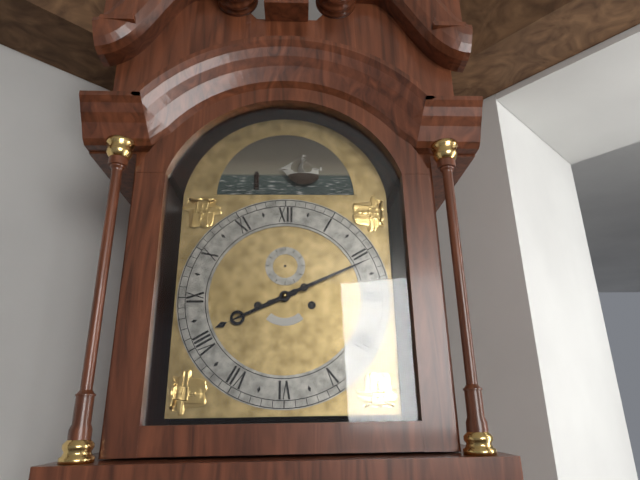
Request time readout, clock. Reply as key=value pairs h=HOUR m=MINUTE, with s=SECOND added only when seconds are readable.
h=8 m=11
